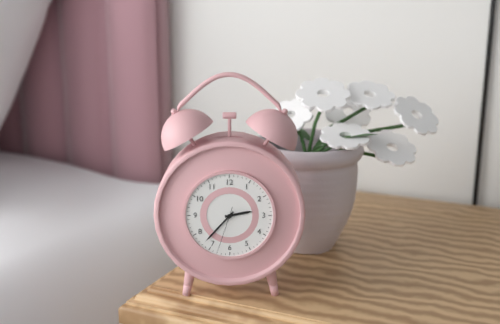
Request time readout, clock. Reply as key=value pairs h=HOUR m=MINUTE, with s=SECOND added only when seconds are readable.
h=2 m=37
